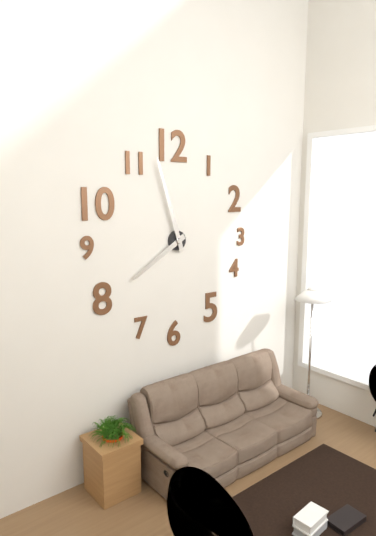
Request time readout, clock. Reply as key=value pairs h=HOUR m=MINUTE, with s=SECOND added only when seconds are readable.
h=7 m=57
